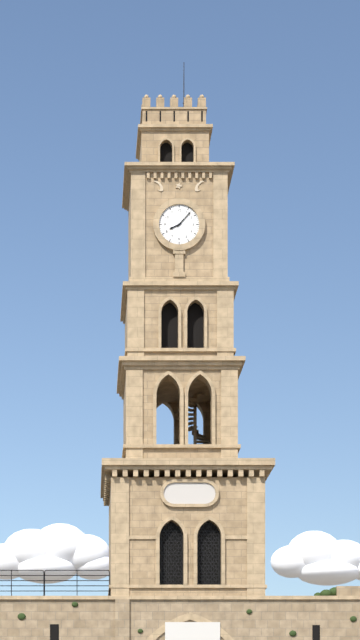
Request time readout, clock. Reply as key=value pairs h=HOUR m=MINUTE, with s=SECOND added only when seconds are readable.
h=8 m=7
